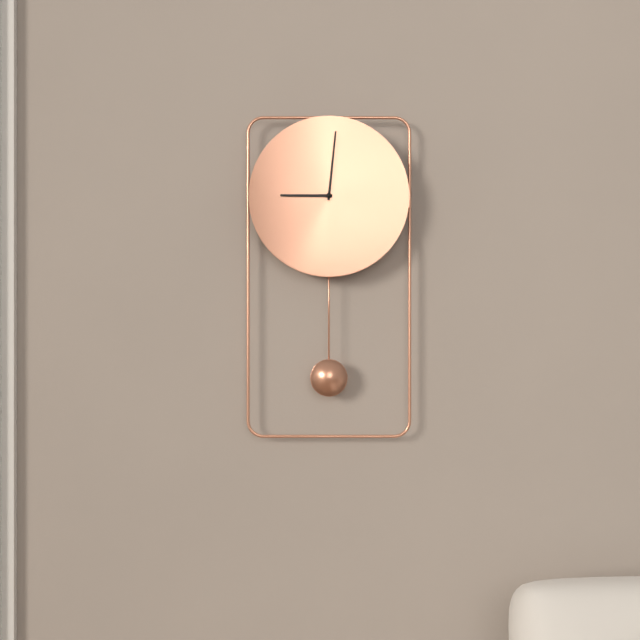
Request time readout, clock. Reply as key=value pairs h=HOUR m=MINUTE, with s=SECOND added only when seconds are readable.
h=9 m=1
